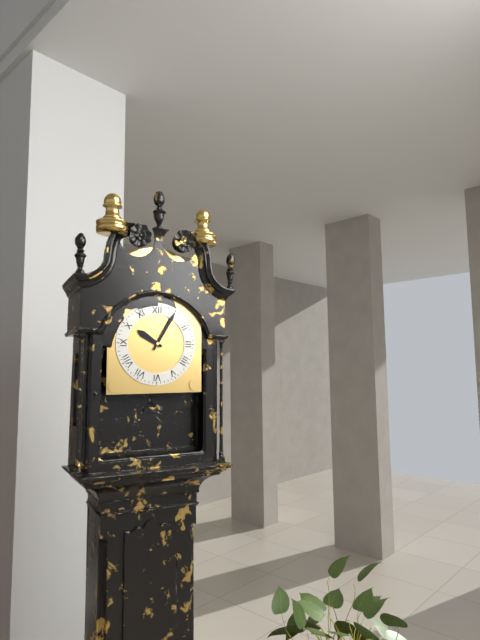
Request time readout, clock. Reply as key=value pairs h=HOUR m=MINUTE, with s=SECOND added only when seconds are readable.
h=10 m=5
